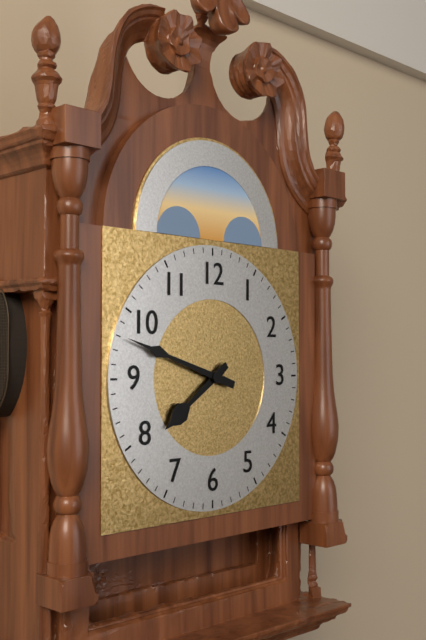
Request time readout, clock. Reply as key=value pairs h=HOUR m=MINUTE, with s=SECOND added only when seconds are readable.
h=7 m=48
